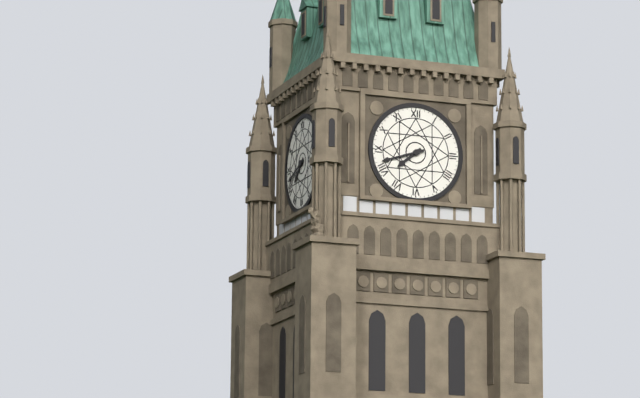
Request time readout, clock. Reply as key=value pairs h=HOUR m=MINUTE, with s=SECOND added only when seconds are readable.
h=7 m=42
